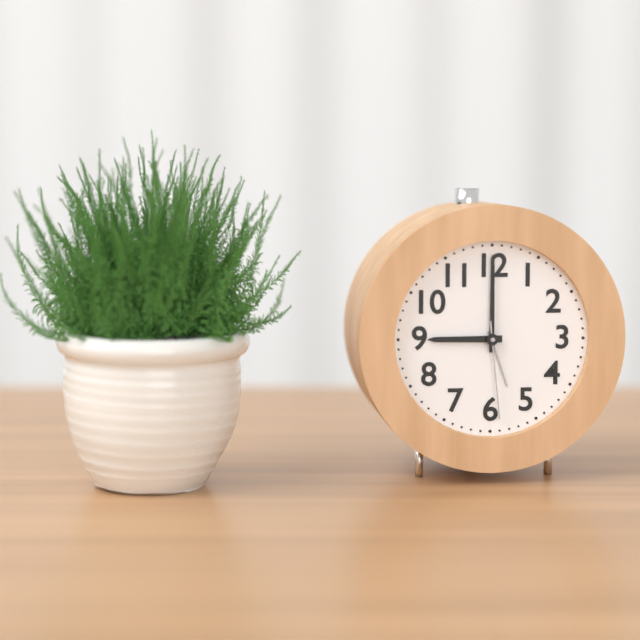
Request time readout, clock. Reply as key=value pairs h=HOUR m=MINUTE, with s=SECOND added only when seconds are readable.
h=9 m=0 s=29
